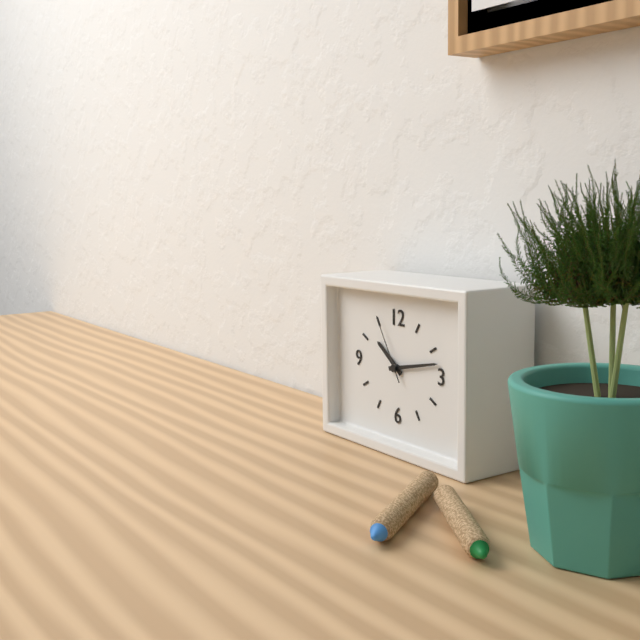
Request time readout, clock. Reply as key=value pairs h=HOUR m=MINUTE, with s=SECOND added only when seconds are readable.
h=10 m=13 s=55
